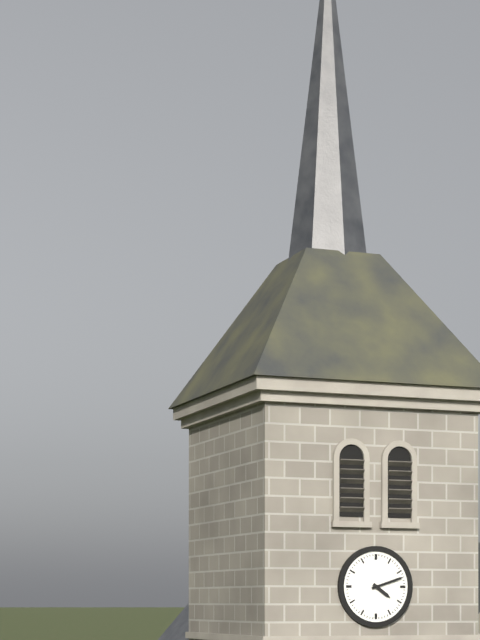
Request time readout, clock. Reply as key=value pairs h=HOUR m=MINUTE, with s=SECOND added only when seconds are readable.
h=4 m=12
